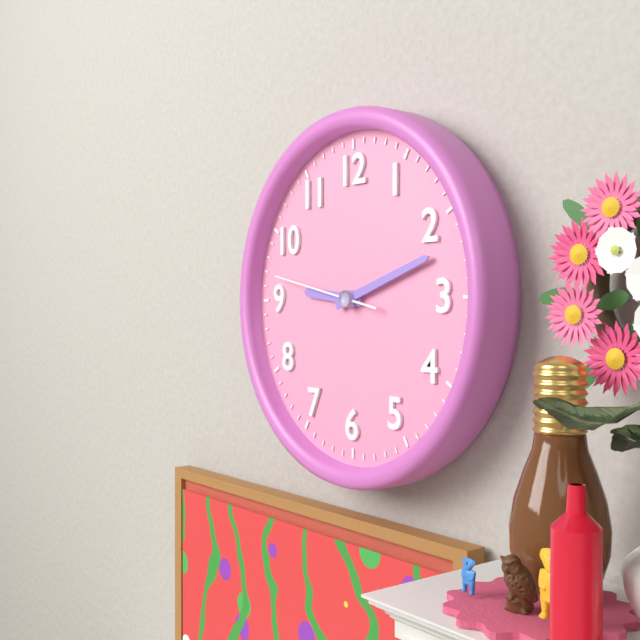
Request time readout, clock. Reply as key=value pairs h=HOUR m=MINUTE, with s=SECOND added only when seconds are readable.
h=9 m=12 s=47
